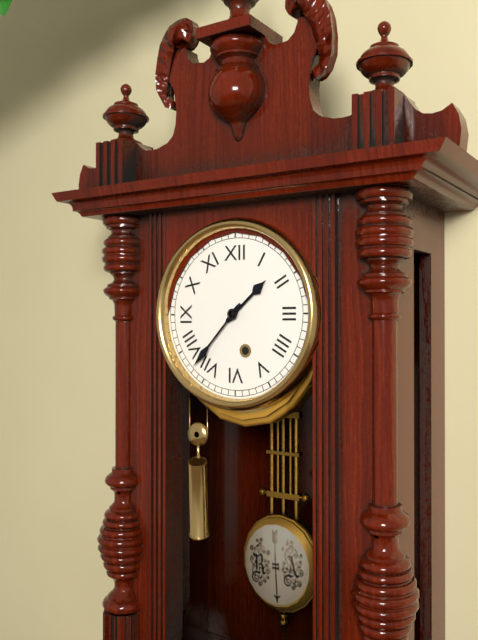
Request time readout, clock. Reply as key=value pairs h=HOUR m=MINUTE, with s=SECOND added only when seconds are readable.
h=1 m=37
